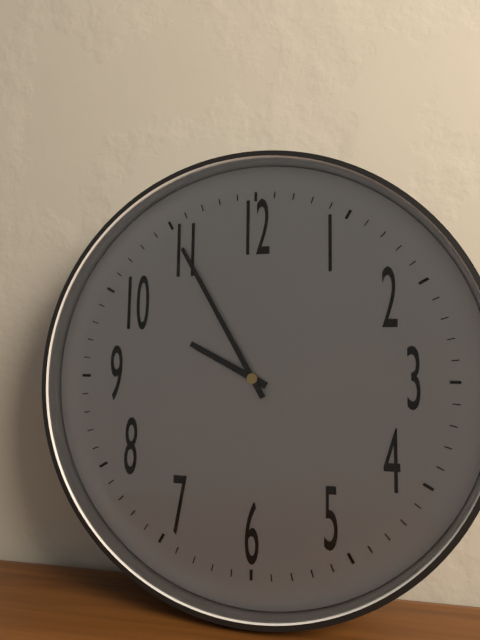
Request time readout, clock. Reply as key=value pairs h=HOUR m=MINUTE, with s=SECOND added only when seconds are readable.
h=9 m=55
